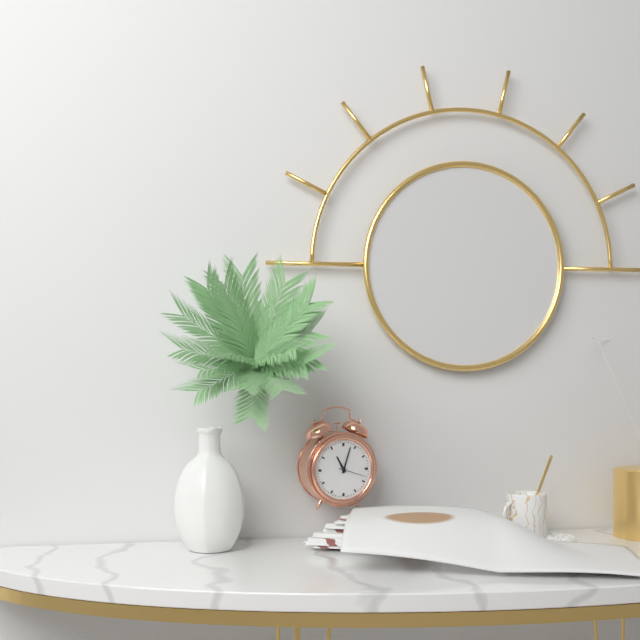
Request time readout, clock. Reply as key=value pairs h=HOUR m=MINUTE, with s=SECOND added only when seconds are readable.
h=11 m=3
